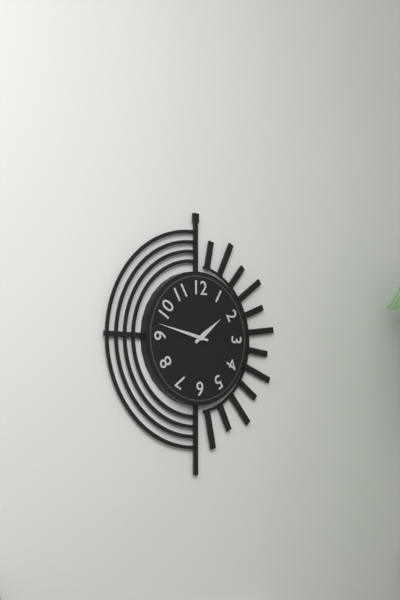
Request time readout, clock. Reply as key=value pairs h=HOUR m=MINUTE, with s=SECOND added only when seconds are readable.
h=1 m=47
